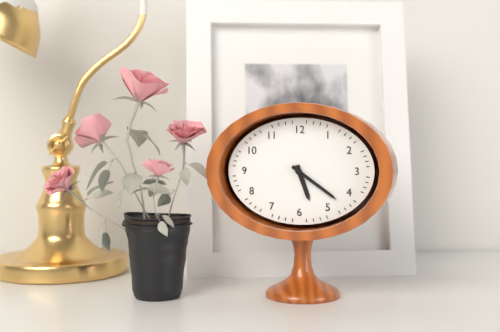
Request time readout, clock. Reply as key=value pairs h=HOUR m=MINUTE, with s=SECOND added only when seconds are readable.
h=5 m=21
